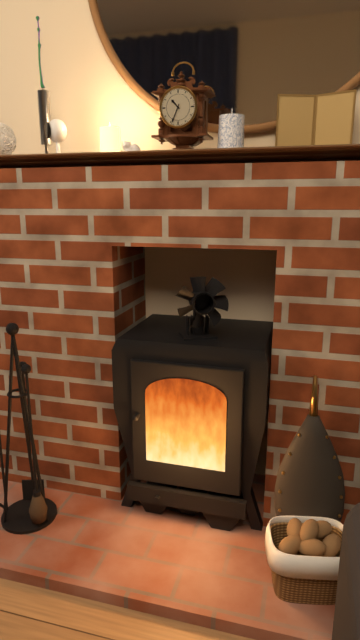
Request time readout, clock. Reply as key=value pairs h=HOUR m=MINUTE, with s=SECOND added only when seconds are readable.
h=10 m=34
